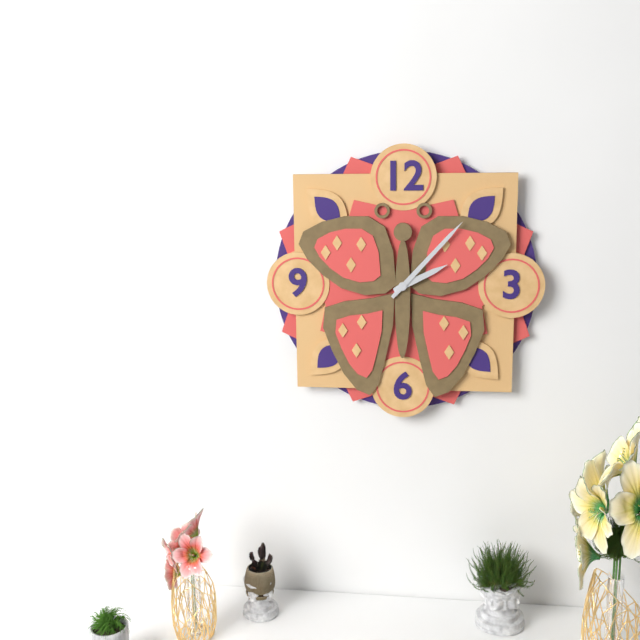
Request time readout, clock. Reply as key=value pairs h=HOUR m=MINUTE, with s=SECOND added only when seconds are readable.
h=2 m=7
